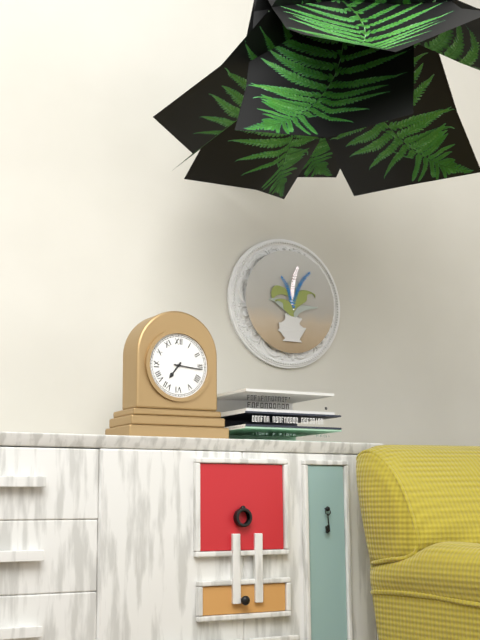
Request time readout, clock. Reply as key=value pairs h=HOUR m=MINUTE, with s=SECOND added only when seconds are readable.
h=7 m=16
